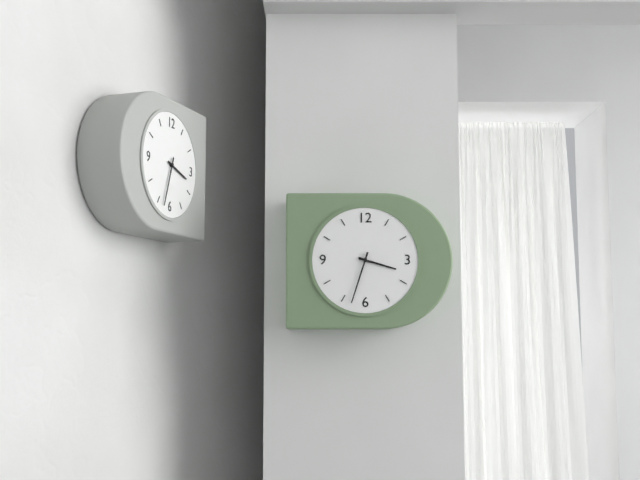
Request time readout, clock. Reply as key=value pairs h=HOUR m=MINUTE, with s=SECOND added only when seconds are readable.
h=3 m=33
